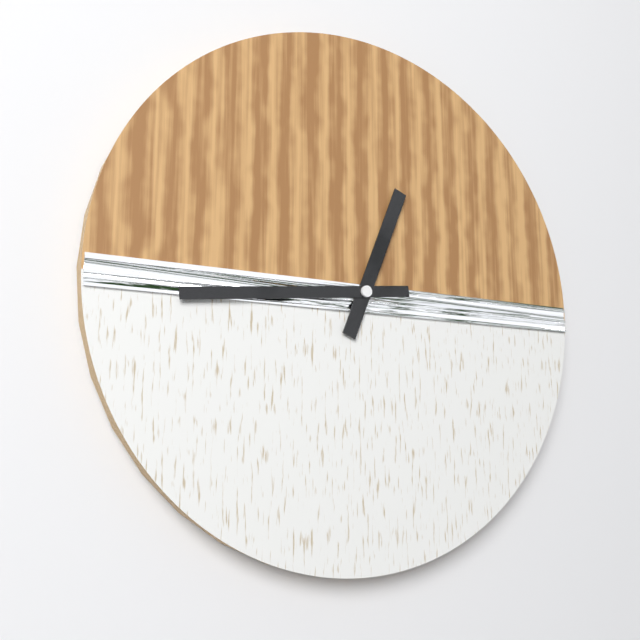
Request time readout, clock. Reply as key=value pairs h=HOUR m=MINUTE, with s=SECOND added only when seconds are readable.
h=12 m=44
